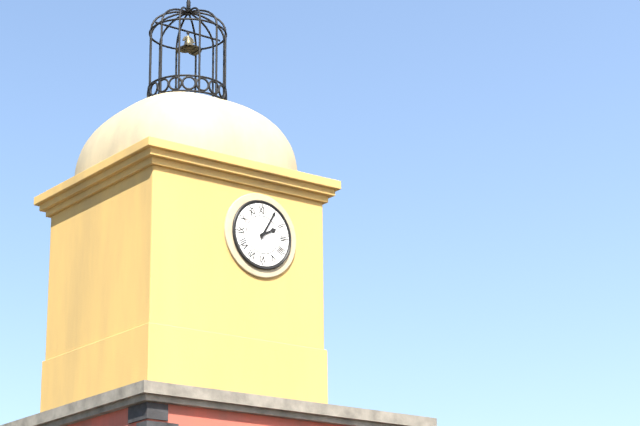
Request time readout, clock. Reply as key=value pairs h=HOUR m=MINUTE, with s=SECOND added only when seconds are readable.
h=2 m=5
